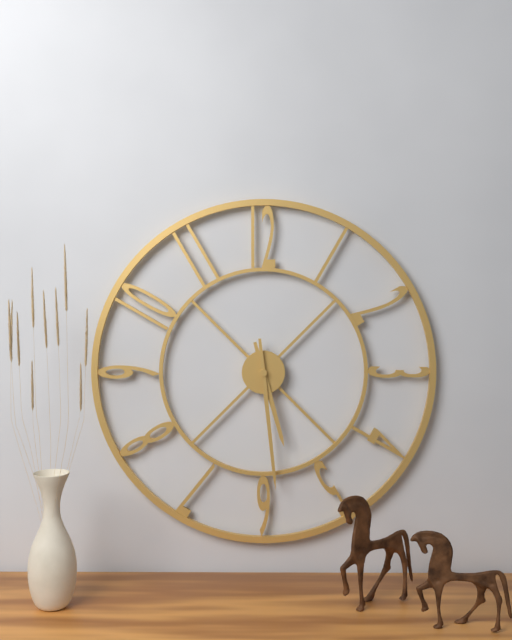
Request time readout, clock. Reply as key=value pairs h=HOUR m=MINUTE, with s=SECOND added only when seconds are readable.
h=5 m=29
